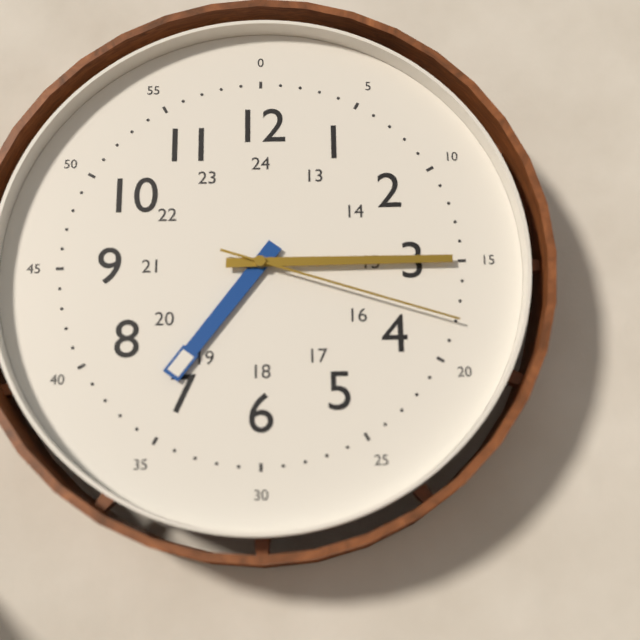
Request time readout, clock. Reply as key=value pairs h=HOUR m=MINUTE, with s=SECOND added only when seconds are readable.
h=7 m=15 s=18
